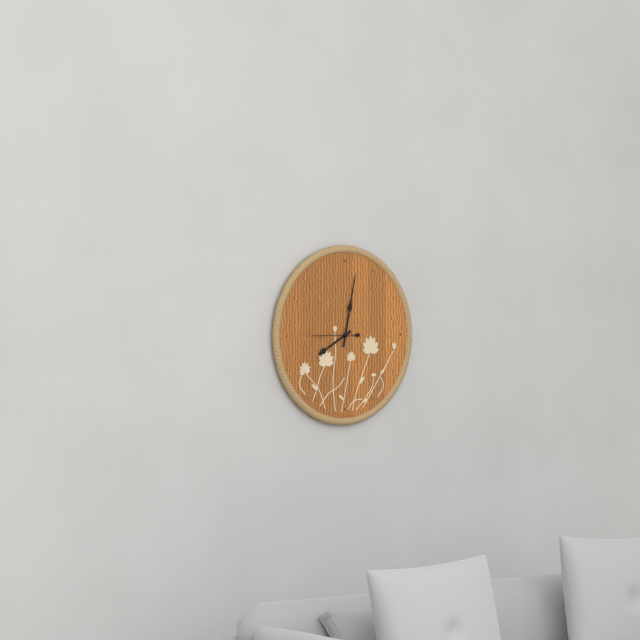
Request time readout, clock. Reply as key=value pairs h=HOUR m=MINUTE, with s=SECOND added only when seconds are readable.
h=8 m=2
